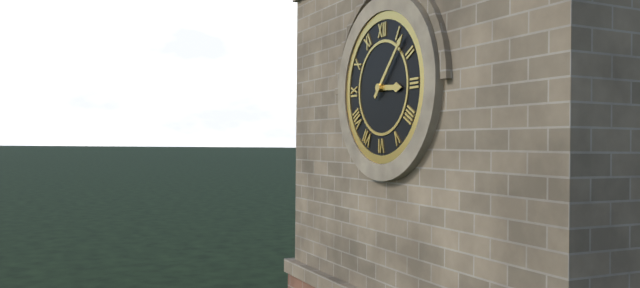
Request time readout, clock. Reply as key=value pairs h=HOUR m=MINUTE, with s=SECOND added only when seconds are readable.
h=3 m=7
